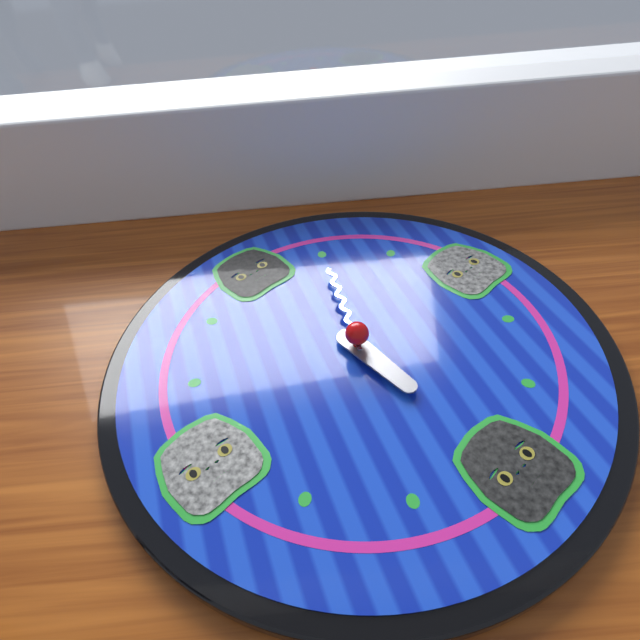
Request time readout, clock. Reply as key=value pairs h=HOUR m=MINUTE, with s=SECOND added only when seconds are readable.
h=6 m=5
